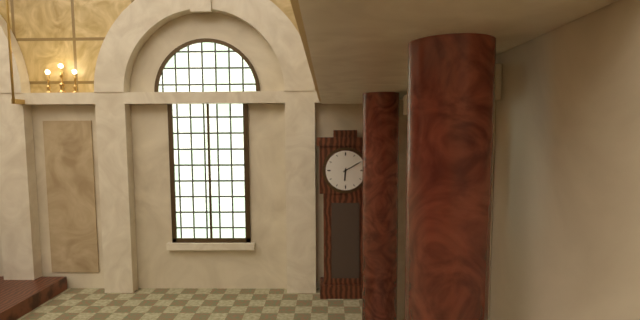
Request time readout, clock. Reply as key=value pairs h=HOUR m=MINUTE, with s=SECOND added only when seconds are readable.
h=6 m=10
